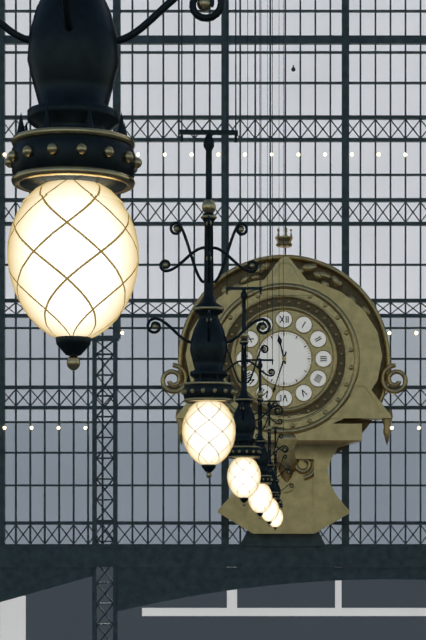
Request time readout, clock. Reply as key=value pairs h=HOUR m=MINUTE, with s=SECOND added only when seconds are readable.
h=11 m=33
